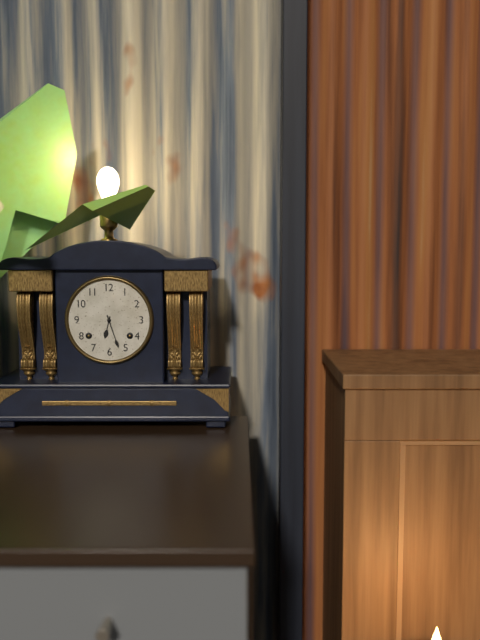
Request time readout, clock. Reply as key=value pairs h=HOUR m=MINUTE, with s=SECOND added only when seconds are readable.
h=6 m=27
